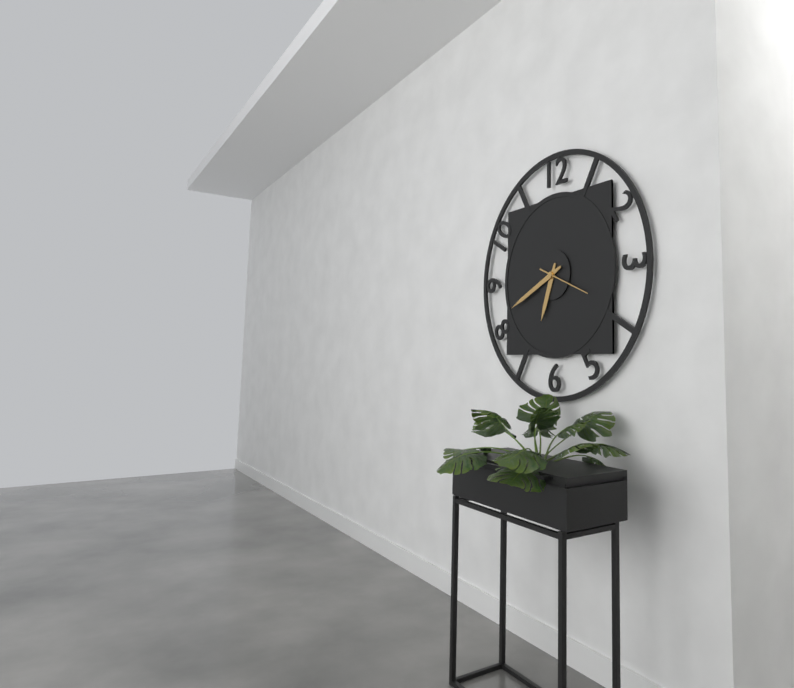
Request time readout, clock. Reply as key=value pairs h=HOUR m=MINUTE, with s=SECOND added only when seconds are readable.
h=6 m=41
